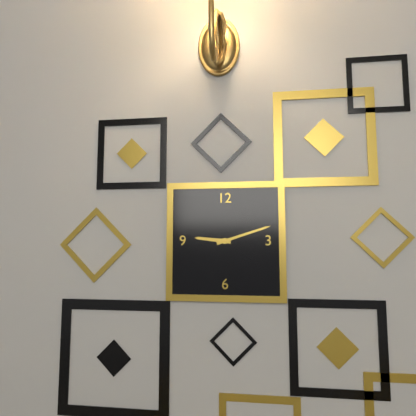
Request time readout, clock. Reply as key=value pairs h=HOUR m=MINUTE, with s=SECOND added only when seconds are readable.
h=9 m=12
